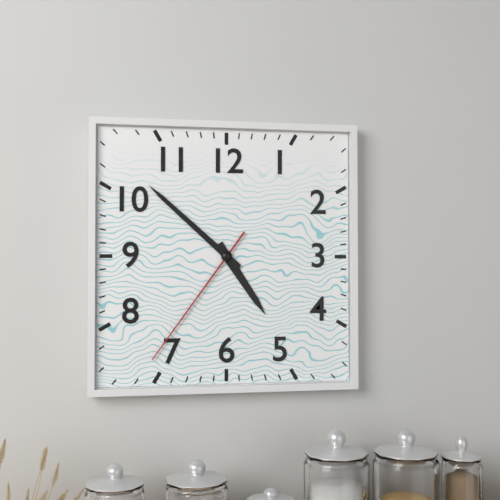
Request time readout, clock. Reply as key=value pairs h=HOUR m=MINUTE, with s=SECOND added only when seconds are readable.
h=4 m=52 s=36
